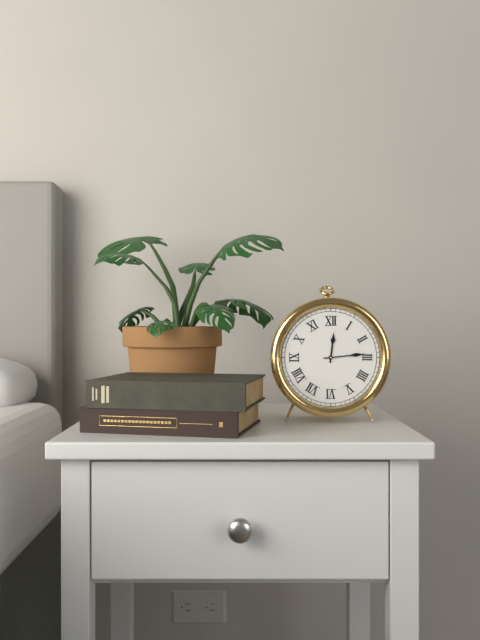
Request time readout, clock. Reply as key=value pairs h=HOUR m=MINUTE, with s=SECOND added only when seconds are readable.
h=12 m=14
